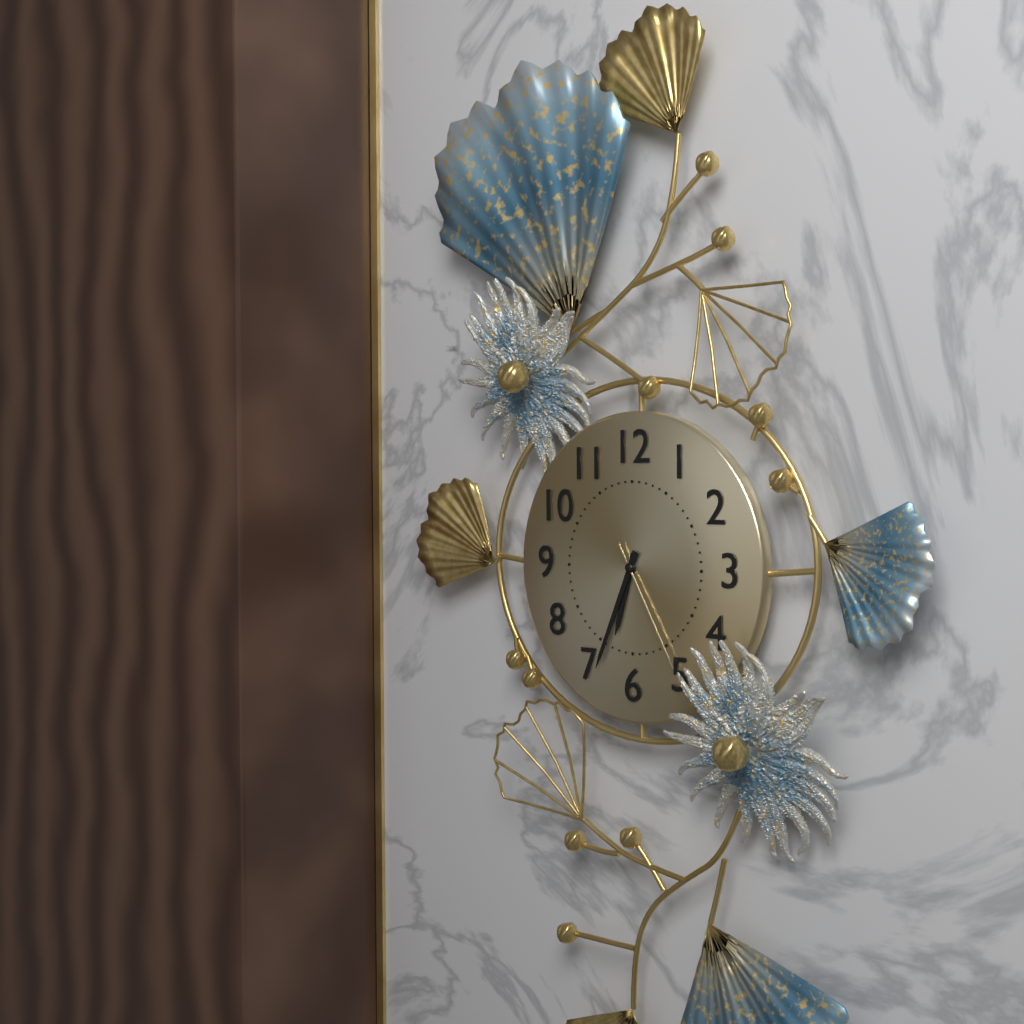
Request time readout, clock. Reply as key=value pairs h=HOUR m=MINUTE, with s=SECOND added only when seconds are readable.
h=6 m=34 s=25
